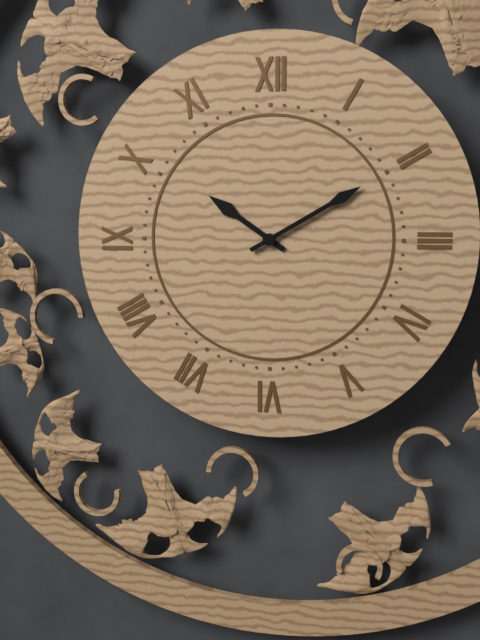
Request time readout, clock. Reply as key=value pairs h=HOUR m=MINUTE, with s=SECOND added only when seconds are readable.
h=10 m=10
